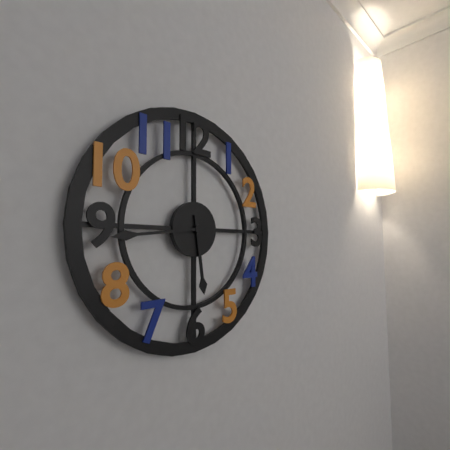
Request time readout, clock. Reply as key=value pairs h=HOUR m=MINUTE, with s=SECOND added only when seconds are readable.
h=5 m=44
